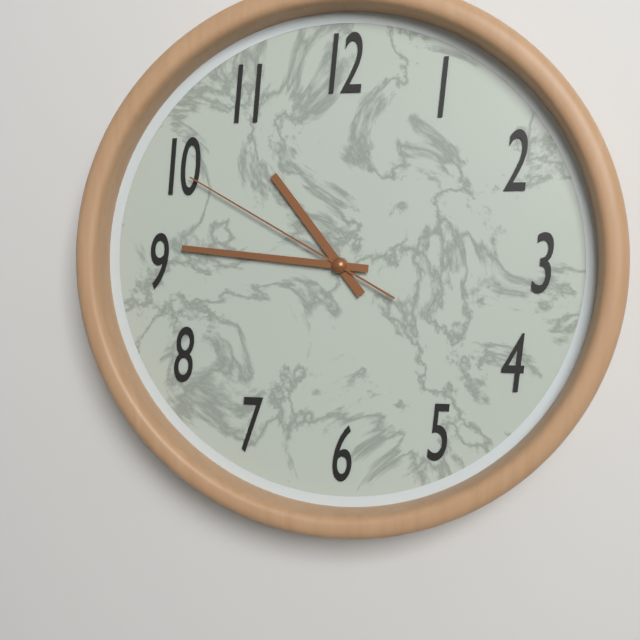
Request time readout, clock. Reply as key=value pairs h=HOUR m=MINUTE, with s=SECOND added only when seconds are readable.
h=10 m=46 s=50
